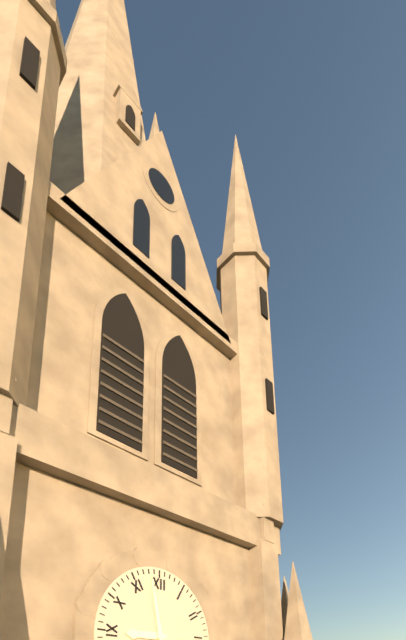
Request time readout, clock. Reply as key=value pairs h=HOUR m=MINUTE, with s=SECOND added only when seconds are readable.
h=8 m=58
